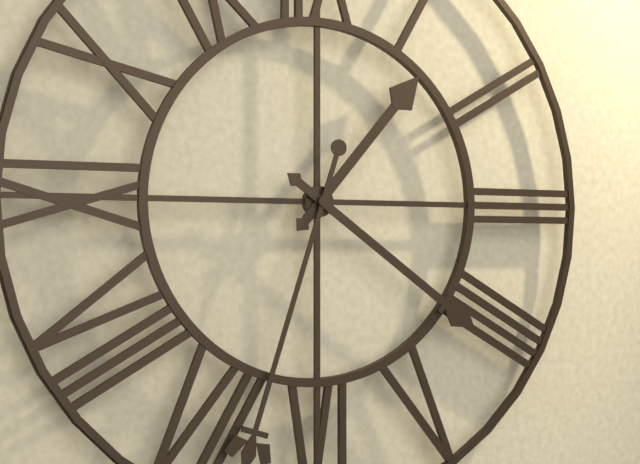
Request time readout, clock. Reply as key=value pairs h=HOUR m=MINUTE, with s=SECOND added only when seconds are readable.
h=1 m=21
